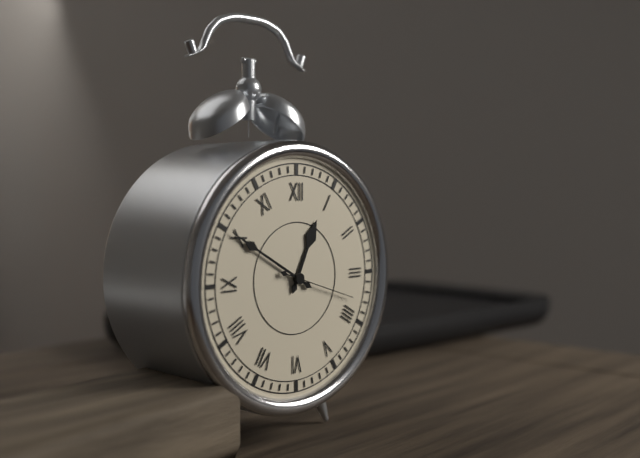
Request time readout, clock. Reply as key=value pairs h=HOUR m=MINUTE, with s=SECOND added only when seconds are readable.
h=12 m=50 s=18
